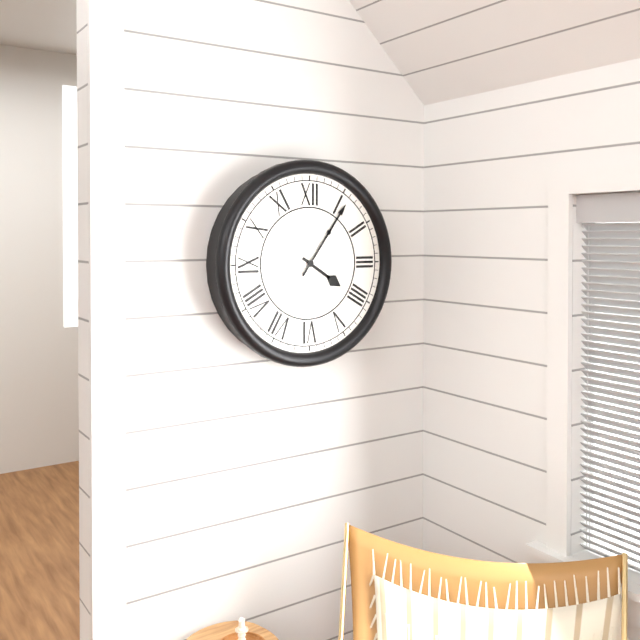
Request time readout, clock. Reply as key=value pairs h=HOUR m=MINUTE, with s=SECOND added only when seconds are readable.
h=4 m=6
